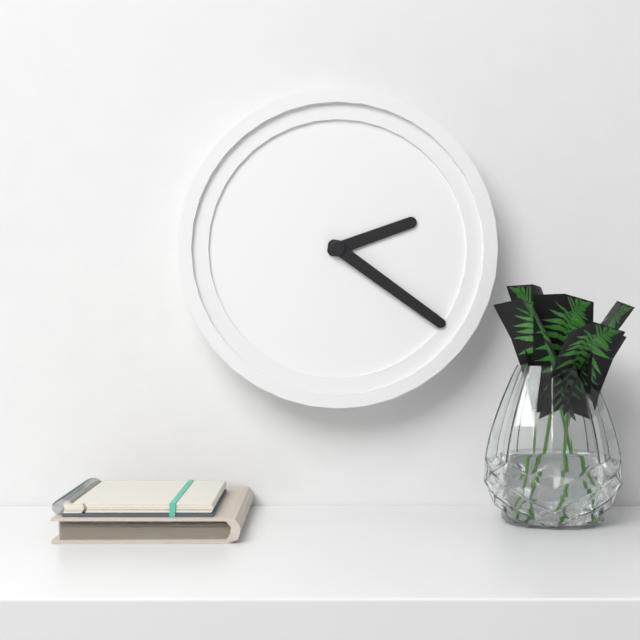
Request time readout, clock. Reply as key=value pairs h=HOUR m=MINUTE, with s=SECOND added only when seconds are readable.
h=2 m=21
